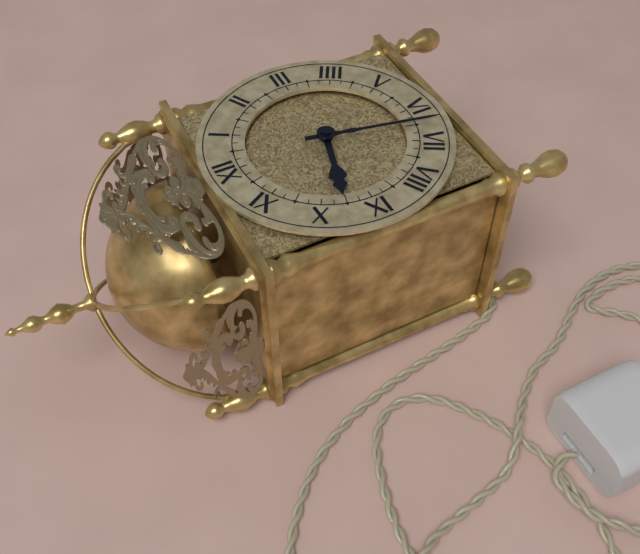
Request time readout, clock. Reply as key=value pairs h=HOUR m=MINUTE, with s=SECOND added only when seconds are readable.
h=9 m=32
